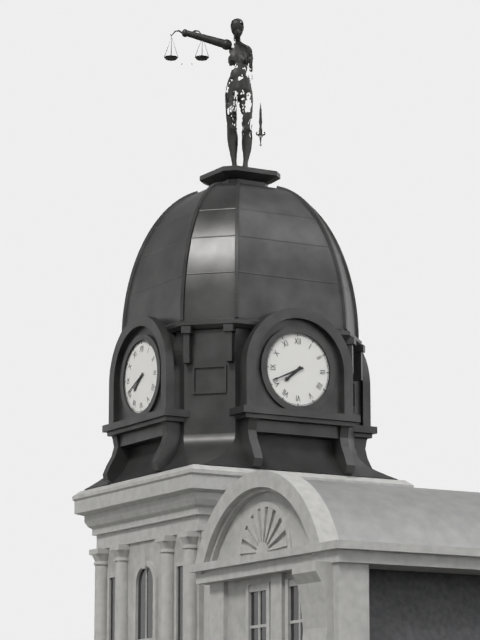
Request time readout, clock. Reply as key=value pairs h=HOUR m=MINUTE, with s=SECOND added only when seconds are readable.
h=7 m=41
